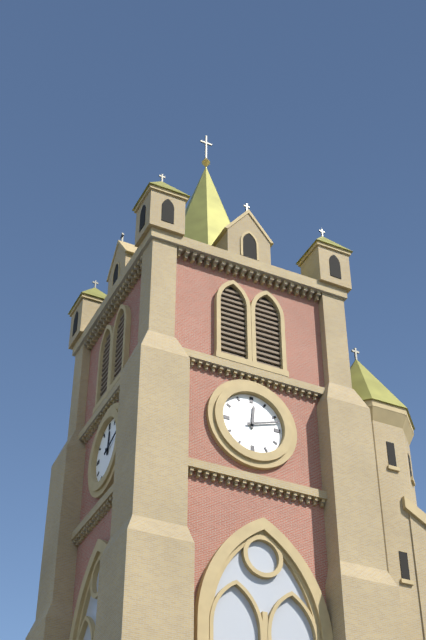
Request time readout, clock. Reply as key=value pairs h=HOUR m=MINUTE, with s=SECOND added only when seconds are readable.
h=12 m=12
